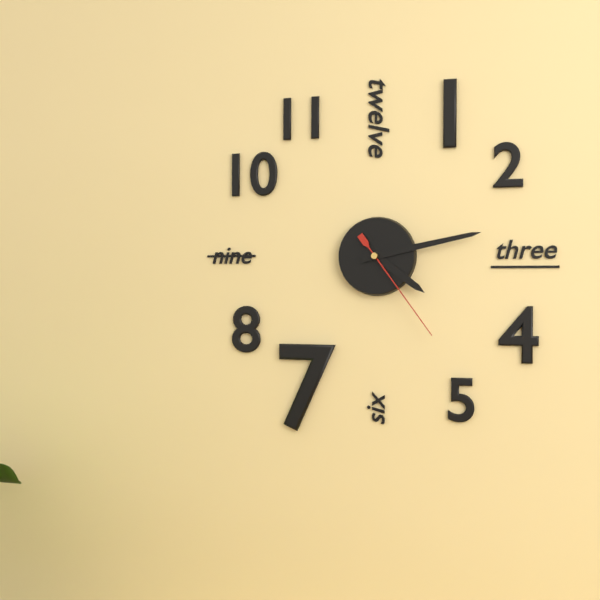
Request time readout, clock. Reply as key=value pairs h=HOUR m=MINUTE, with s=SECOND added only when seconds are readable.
h=4 m=13 s=24
